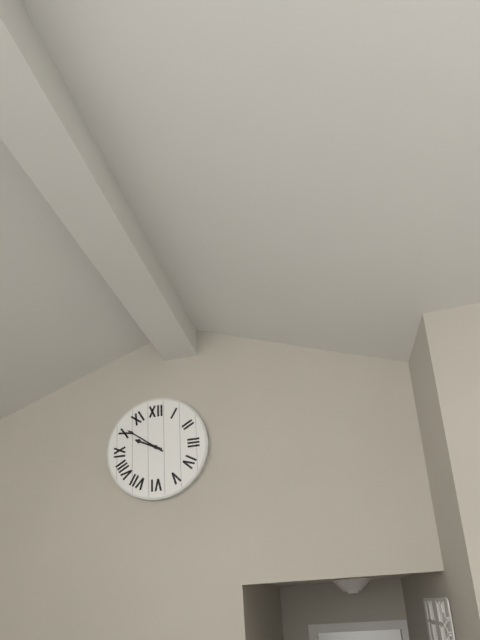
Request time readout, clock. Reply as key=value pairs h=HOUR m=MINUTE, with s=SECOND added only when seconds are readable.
h=9 m=51
